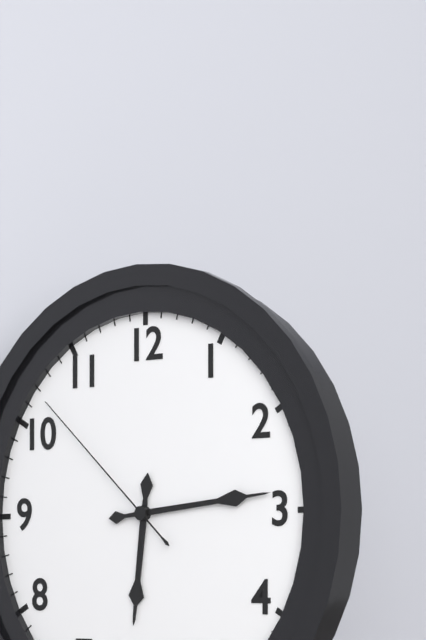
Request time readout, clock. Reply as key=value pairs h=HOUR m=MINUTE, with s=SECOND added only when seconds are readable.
h=6 m=14 s=52
